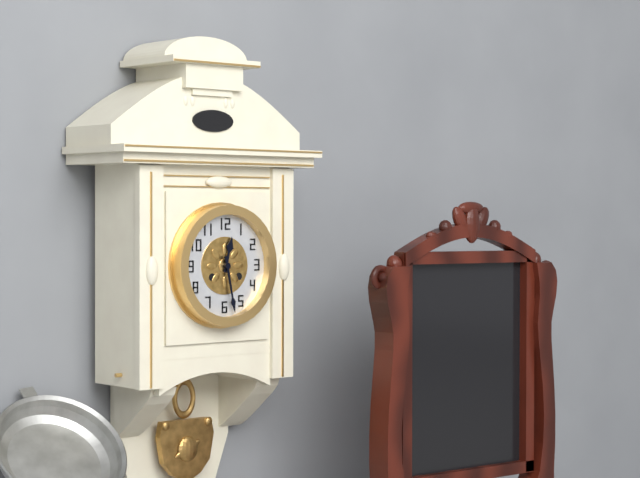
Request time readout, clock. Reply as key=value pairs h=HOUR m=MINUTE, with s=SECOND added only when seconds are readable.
h=12 m=28
